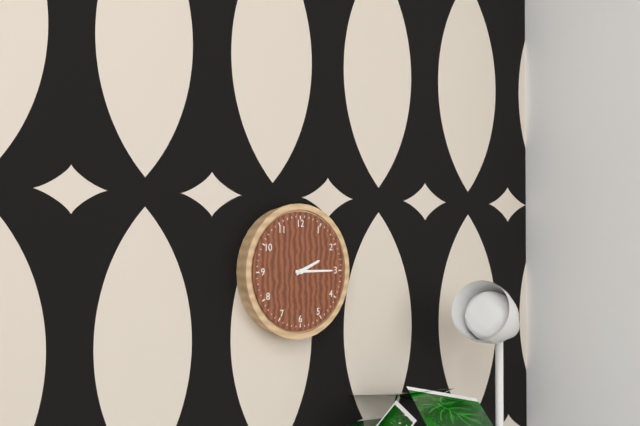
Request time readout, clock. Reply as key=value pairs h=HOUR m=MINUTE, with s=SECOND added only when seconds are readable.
h=2 m=15
